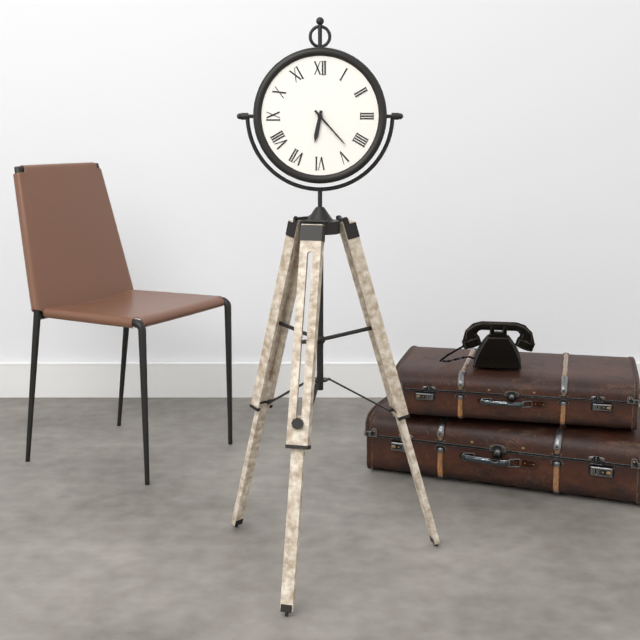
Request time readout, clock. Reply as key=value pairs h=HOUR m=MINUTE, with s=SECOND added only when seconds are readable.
h=6 m=23
